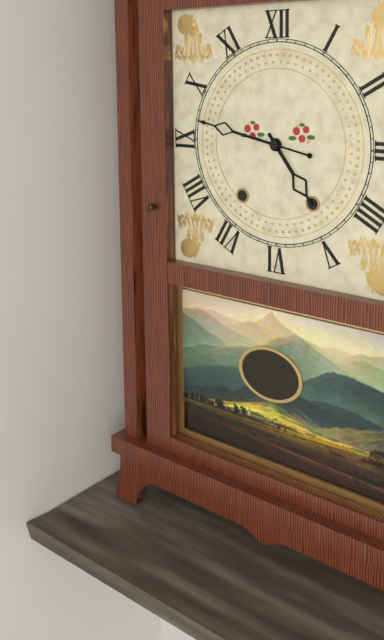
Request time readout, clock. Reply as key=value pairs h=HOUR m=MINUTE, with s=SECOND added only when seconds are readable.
h=4 m=47
